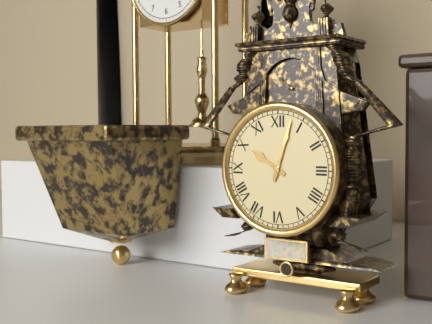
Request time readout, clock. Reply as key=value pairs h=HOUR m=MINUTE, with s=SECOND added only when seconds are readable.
h=10 m=3
